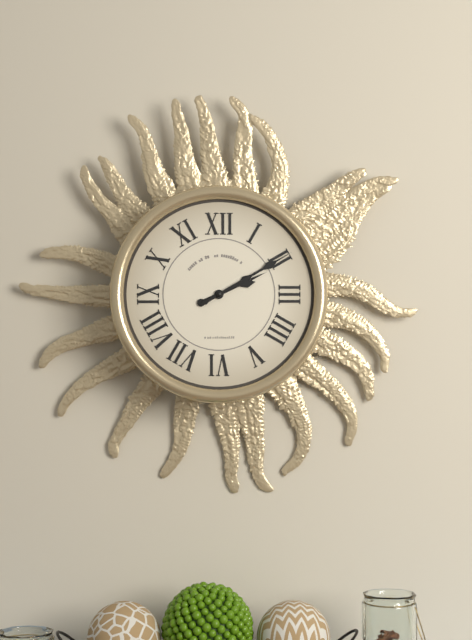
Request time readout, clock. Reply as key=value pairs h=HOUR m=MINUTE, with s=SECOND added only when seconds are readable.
h=2 m=10
